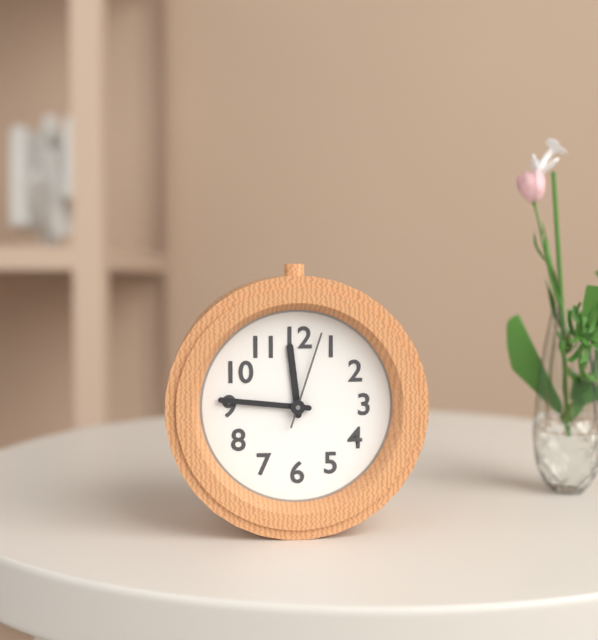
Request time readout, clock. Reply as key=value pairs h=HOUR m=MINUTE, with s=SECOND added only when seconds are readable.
h=11 m=46 s=3
